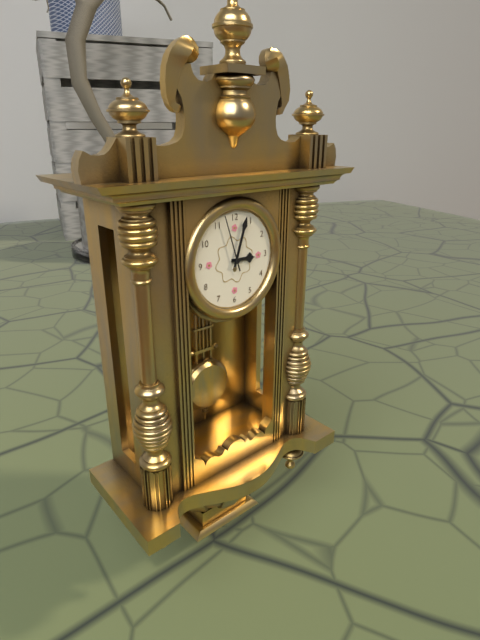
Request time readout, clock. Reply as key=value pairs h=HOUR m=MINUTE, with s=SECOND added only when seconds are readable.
h=3 m=3 s=57
